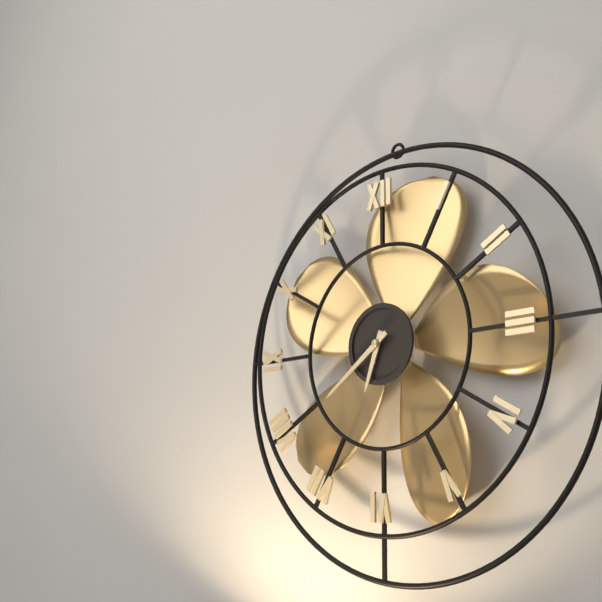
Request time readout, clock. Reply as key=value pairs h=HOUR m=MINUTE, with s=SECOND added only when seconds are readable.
h=6 m=39
